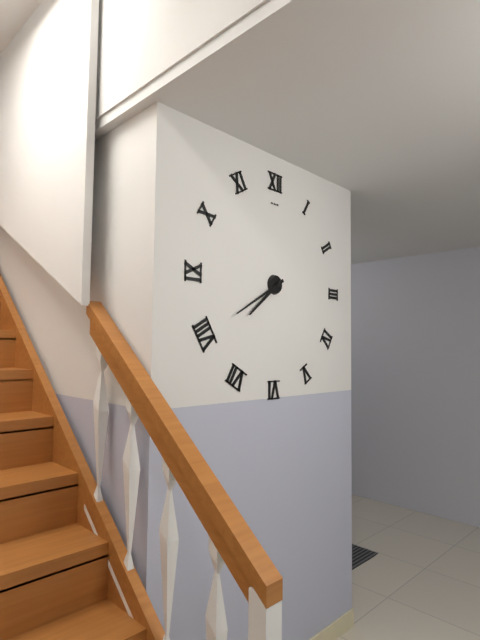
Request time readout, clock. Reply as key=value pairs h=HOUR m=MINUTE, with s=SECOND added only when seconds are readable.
h=7 m=40
